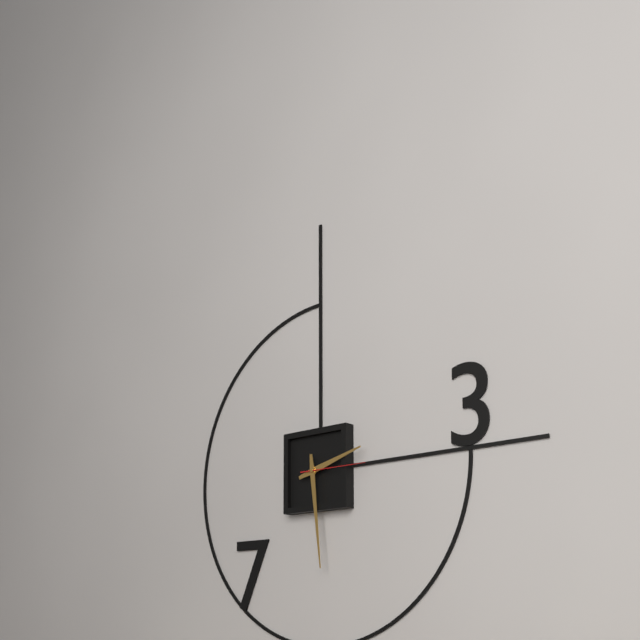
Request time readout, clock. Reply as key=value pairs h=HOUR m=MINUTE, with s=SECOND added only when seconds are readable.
h=2 m=29 s=15
